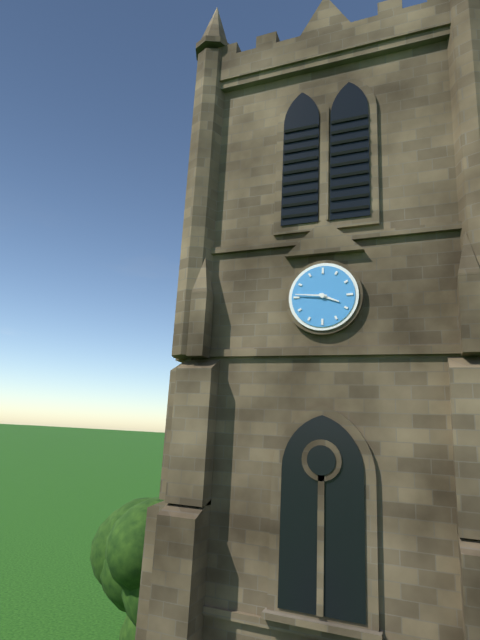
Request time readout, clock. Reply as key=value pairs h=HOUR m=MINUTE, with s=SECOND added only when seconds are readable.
h=3 m=46
